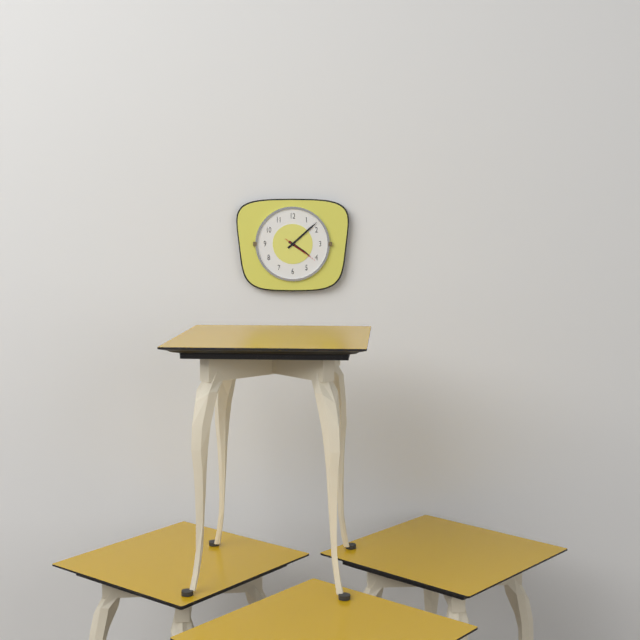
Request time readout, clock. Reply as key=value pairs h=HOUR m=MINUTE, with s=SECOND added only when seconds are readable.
h=4 m=8
